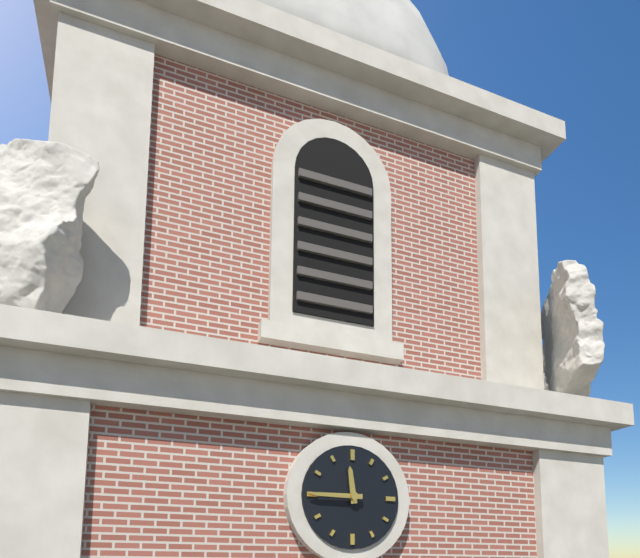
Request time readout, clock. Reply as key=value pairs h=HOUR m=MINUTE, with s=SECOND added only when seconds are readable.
h=11 m=45
